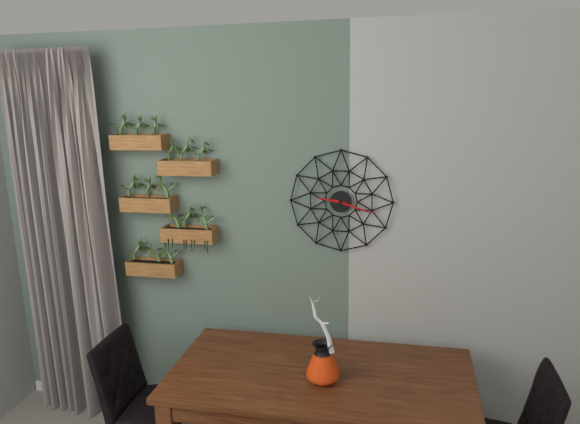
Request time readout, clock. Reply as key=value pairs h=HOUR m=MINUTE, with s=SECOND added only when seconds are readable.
h=9 m=18
